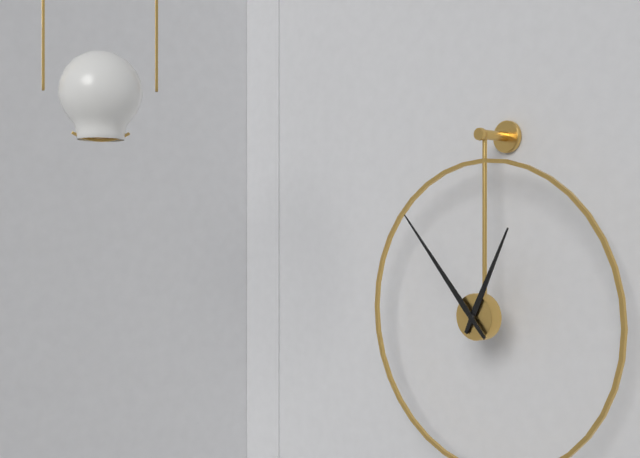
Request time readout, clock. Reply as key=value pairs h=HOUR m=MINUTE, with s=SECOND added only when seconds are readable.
h=12 m=53
